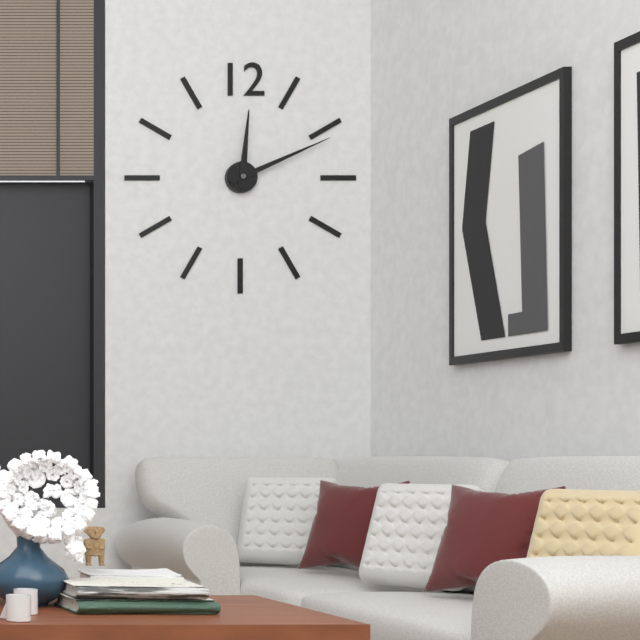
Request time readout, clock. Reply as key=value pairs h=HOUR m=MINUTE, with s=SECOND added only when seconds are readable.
h=12 m=11
